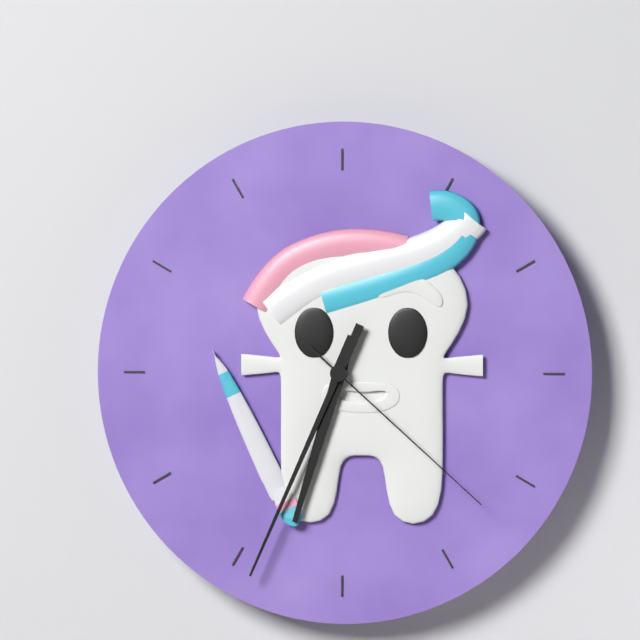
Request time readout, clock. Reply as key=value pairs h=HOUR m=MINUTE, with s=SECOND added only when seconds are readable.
h=6 m=34 s=22
